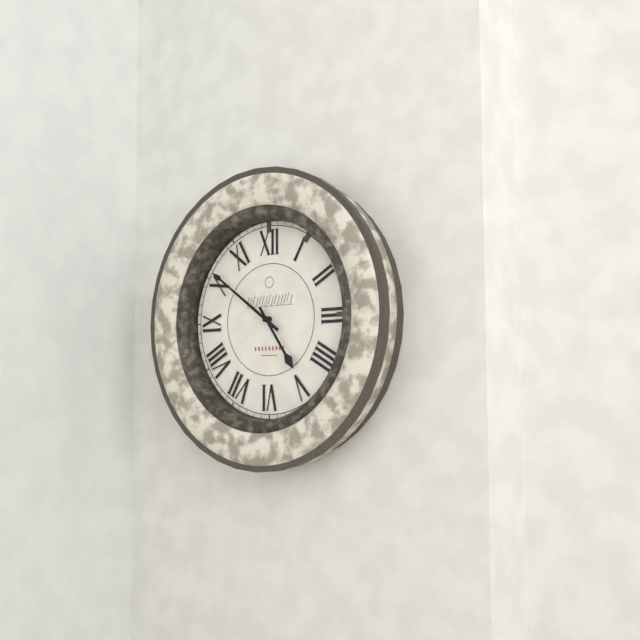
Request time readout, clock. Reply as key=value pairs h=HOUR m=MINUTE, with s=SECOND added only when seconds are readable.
h=4 m=51
